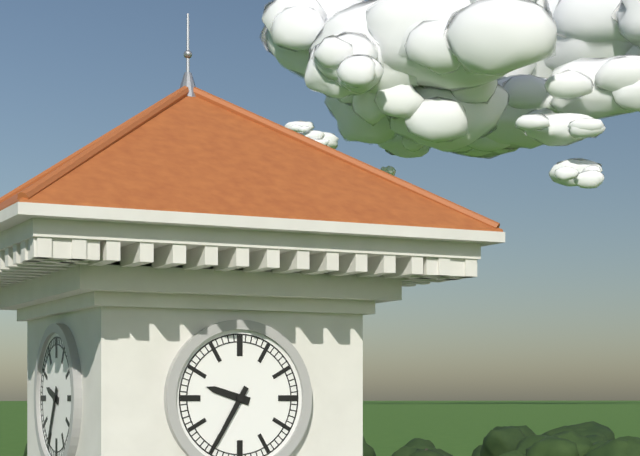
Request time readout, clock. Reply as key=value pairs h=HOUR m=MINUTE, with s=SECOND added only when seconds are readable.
h=9 m=35
